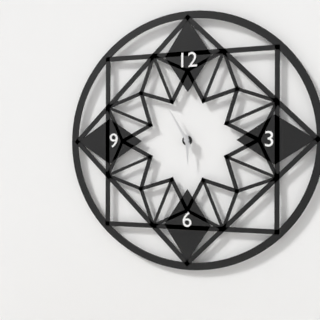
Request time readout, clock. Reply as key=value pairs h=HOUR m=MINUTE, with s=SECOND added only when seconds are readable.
h=5 m=55
